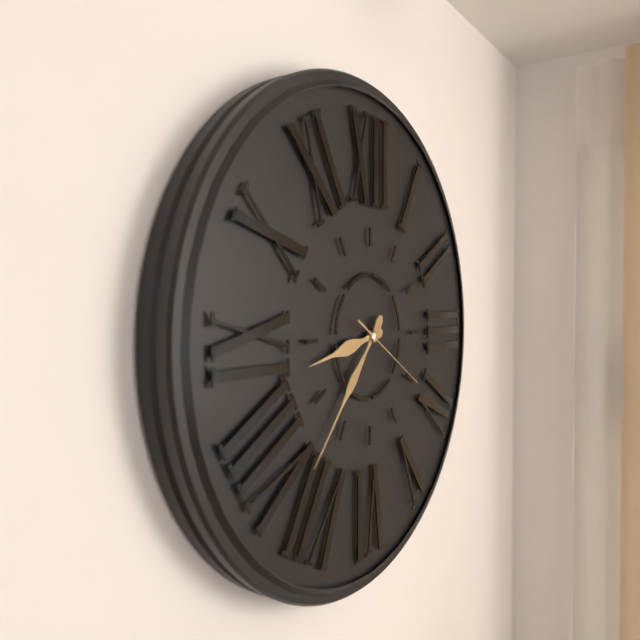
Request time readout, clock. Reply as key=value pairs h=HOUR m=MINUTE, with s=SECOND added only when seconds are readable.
h=8 m=37 s=20
